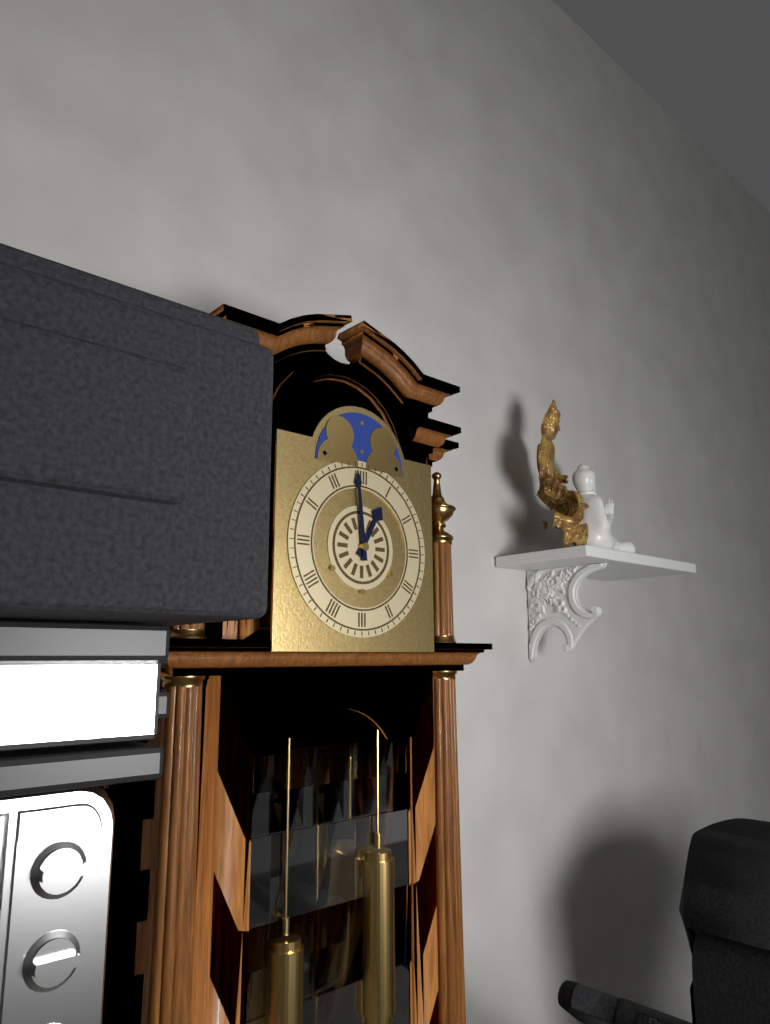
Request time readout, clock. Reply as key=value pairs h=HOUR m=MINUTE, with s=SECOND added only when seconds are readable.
h=12 m=59
